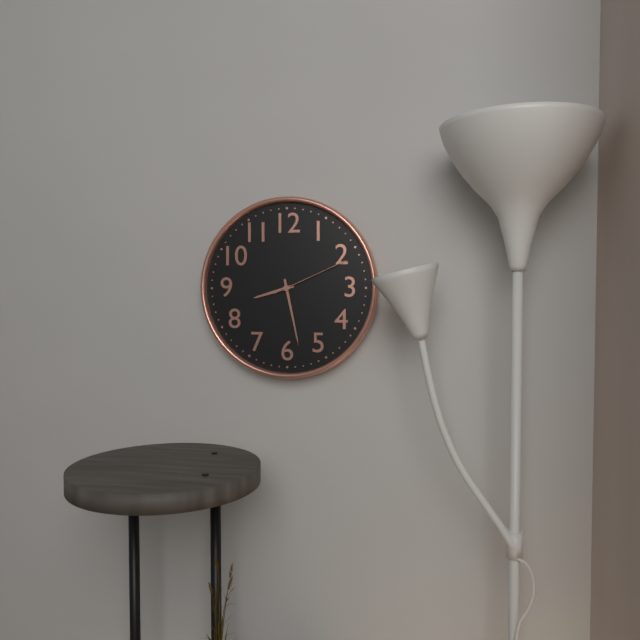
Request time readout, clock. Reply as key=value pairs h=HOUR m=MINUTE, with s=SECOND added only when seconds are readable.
h=8 m=28 s=11
